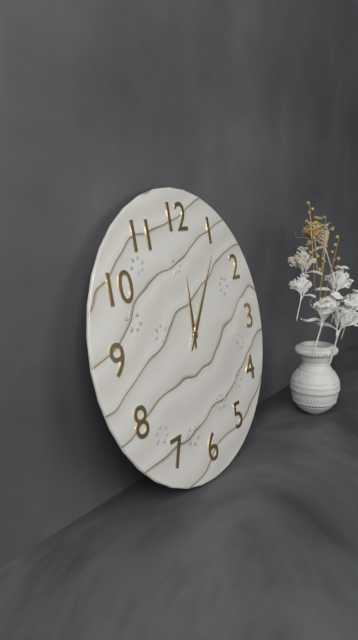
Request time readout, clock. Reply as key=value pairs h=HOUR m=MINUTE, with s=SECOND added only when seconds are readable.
h=12 m=6
